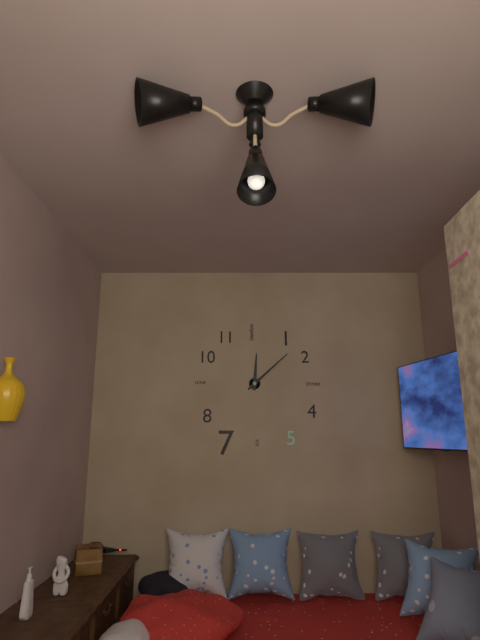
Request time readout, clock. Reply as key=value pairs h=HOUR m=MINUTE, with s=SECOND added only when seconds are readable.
h=12 m=8
